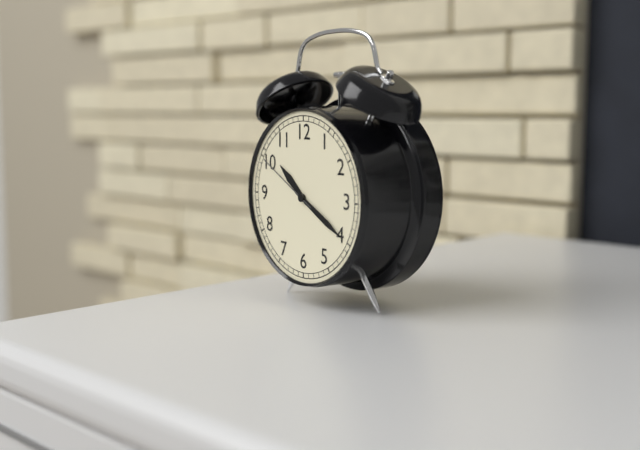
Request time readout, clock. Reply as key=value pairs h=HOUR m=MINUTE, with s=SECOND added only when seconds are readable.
h=10 m=20 s=50
